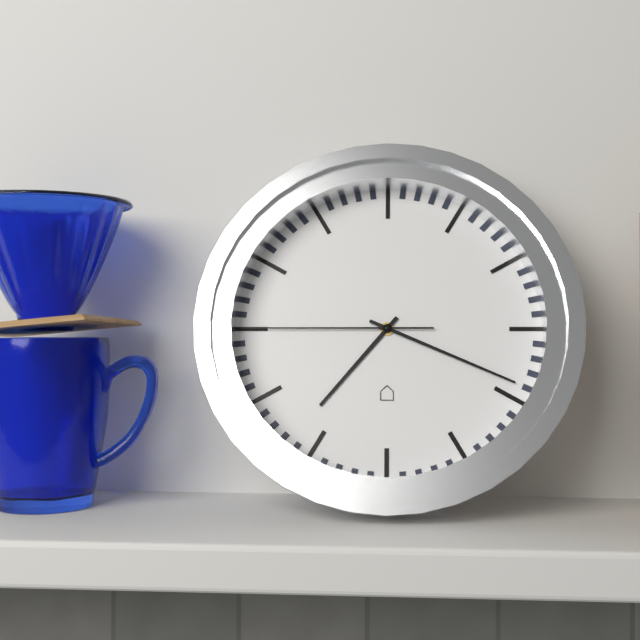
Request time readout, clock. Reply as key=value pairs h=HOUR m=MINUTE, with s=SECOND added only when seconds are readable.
h=7 m=19 s=45
